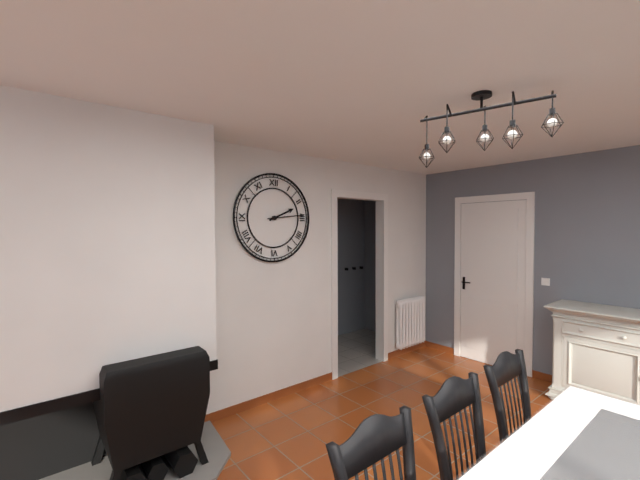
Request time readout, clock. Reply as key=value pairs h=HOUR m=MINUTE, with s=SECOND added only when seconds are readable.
h=2 m=14
